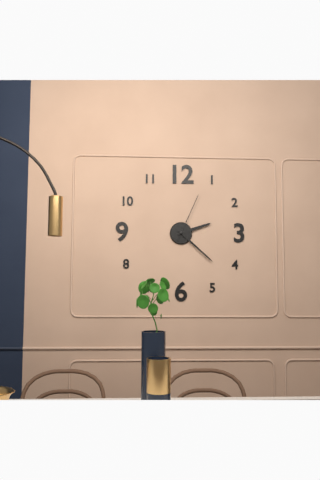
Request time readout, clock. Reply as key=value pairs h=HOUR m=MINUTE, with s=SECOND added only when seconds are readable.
h=2 m=22 s=4
